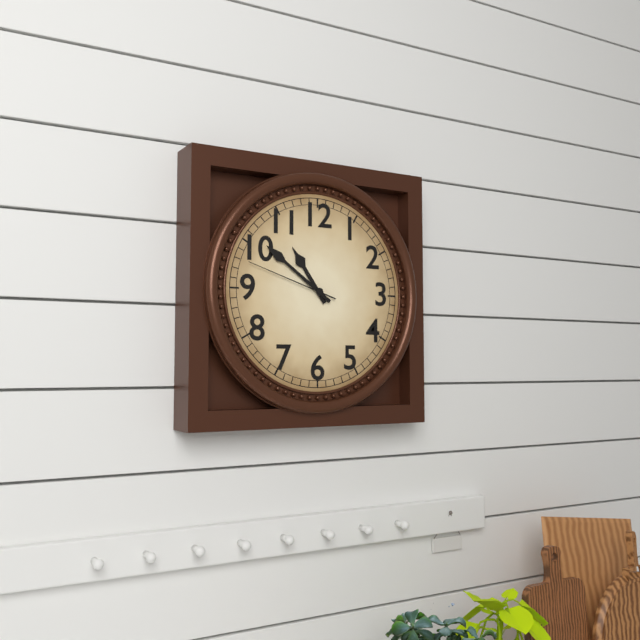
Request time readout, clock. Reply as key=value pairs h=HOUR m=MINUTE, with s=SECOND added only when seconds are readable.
h=10 m=51 s=48
